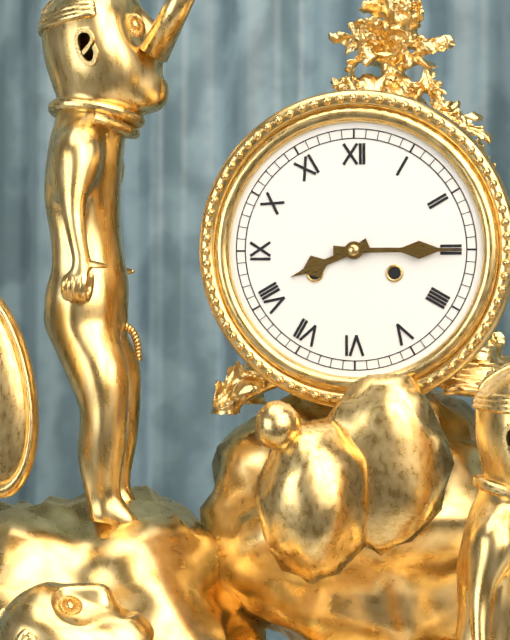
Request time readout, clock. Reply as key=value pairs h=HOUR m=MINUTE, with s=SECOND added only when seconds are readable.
h=8 m=15
